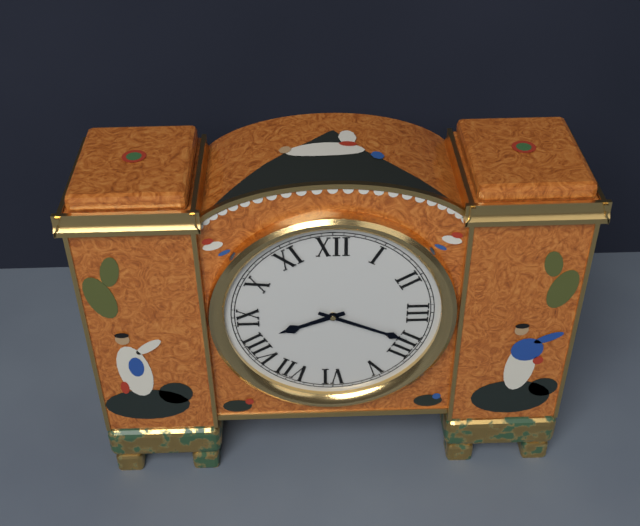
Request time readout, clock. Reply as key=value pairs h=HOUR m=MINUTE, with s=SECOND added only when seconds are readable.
h=8 m=19
